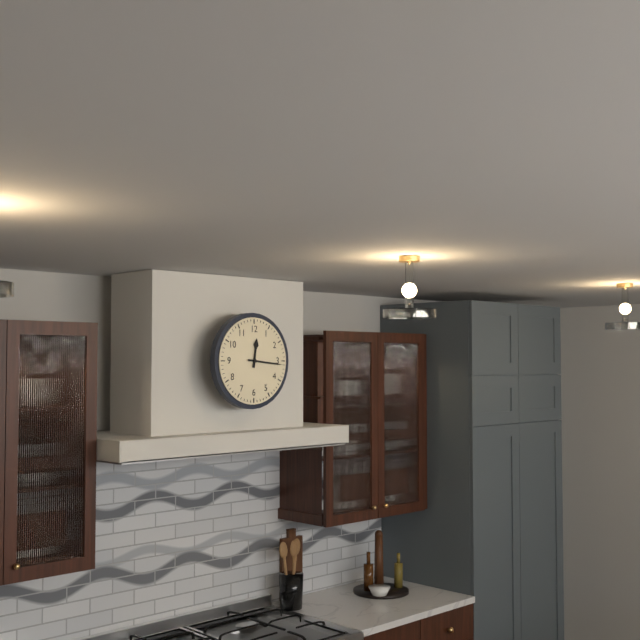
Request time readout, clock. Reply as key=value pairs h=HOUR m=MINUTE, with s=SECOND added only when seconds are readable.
h=12 m=16
